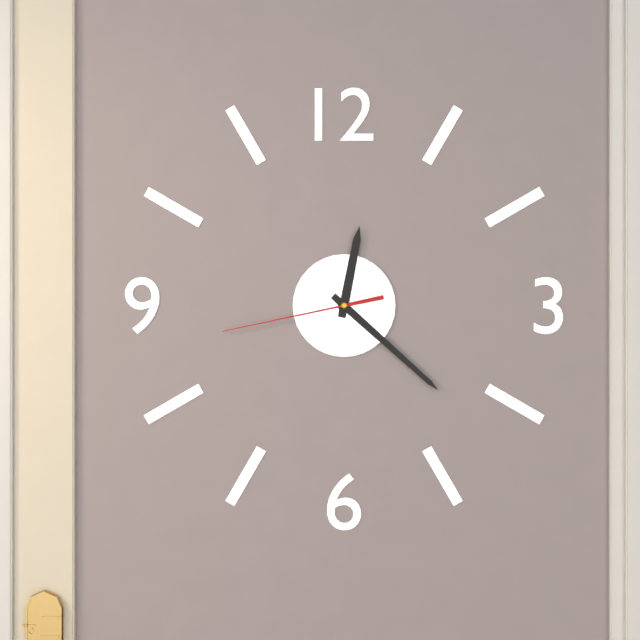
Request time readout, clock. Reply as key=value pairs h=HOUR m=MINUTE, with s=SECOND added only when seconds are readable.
h=12 m=22 s=43
